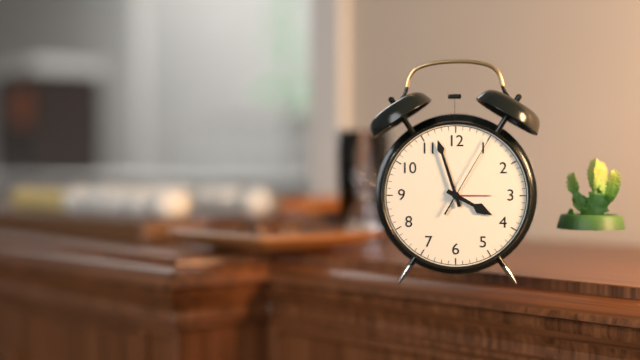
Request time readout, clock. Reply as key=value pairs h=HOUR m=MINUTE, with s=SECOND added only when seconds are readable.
h=3 m=57 s=5
